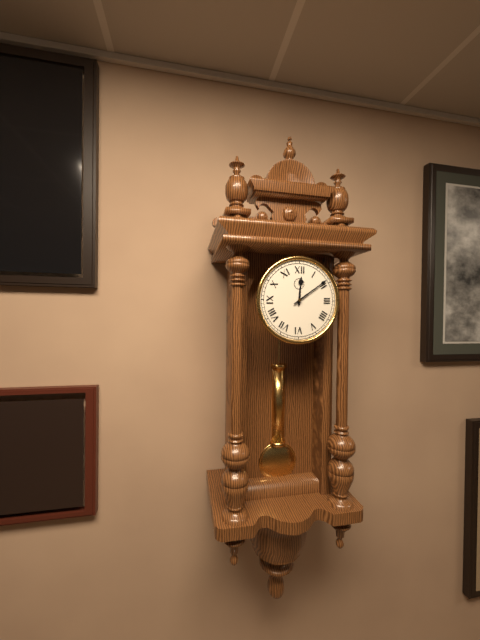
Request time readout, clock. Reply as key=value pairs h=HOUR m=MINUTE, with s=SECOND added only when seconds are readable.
h=12 m=9
